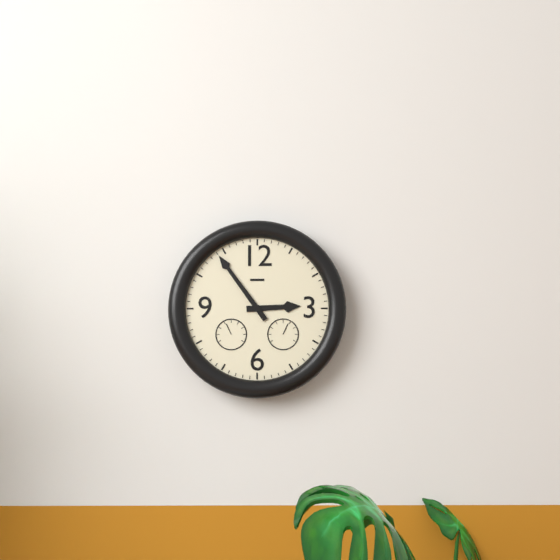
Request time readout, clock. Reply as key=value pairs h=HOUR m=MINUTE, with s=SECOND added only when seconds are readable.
h=2 m=54
